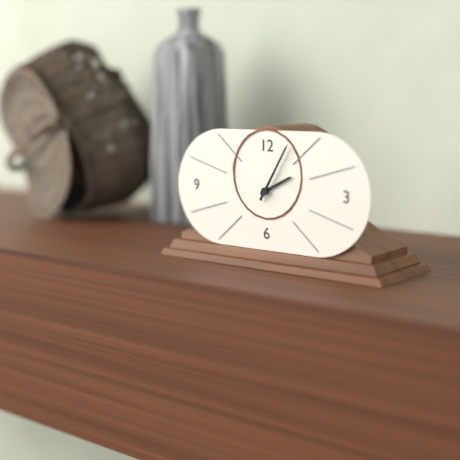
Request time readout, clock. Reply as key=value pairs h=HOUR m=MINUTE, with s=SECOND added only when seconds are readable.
h=2 m=5
